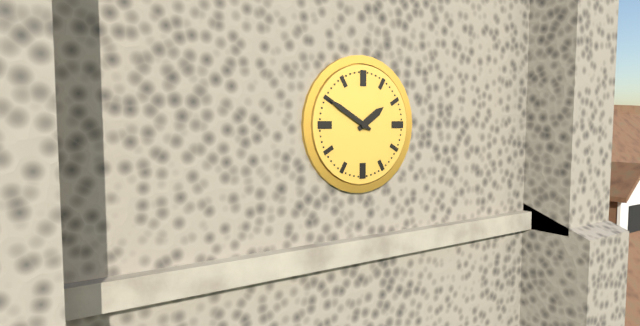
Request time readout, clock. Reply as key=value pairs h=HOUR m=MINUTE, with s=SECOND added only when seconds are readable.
h=1 m=50
